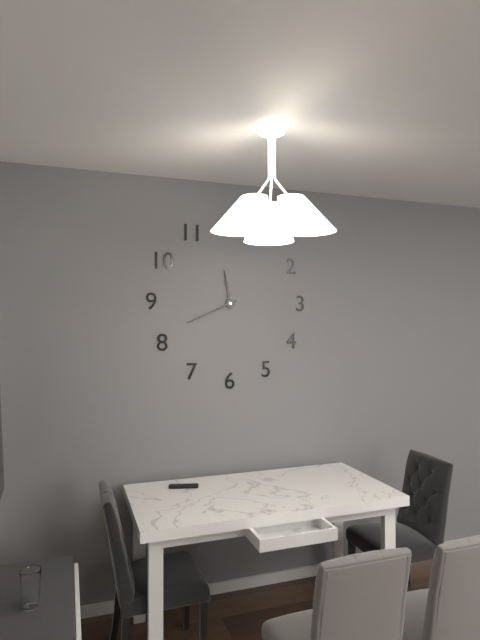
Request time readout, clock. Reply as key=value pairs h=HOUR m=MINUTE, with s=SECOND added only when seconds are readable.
h=11 m=41
